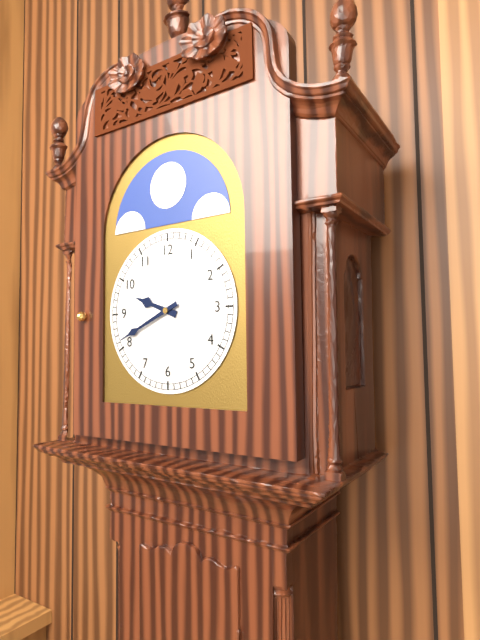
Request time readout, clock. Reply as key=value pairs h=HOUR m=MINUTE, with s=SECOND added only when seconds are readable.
h=9 m=41
